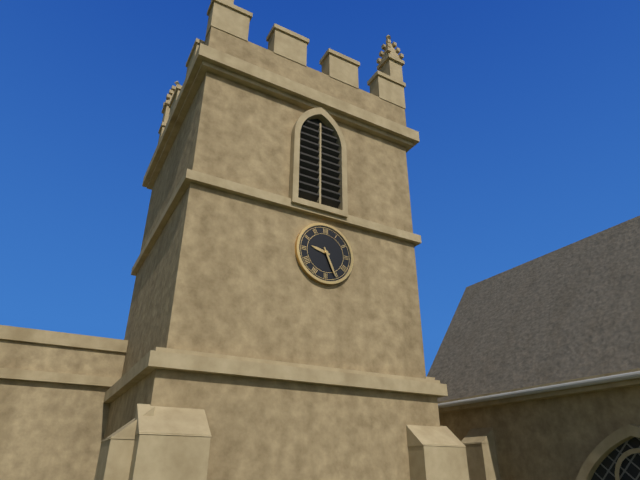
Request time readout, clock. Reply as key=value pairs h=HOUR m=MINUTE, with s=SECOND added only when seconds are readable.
h=9 m=26
